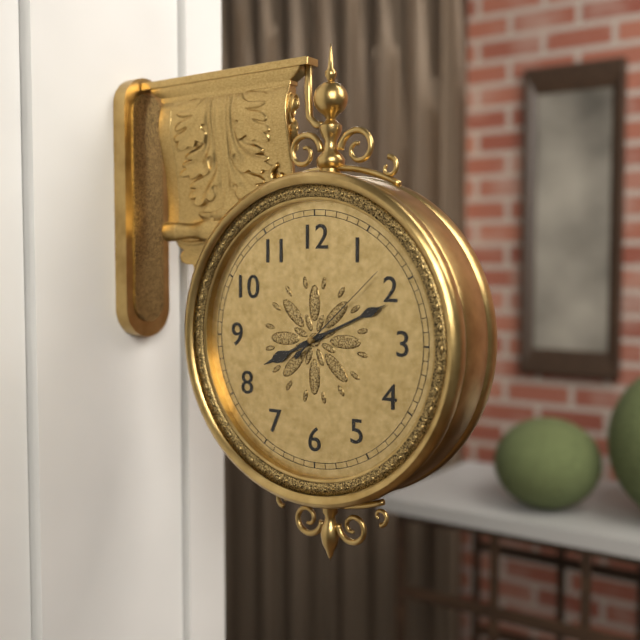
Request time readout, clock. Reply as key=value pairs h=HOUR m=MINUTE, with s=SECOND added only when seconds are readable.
h=8 m=11 s=8
